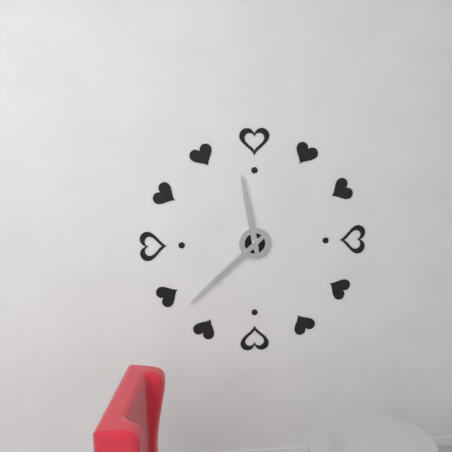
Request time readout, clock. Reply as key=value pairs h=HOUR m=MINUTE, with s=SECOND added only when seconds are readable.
h=11 m=38
